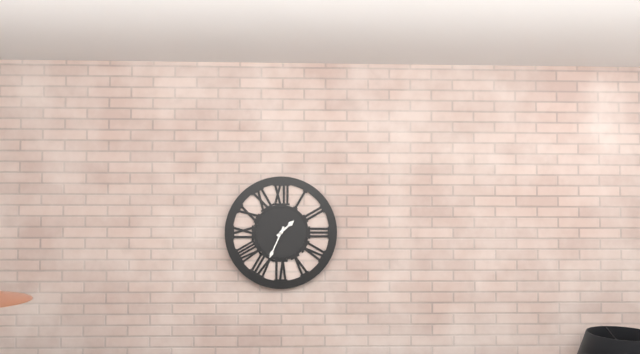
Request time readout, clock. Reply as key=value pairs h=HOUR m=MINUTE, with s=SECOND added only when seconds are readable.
h=1 m=34
